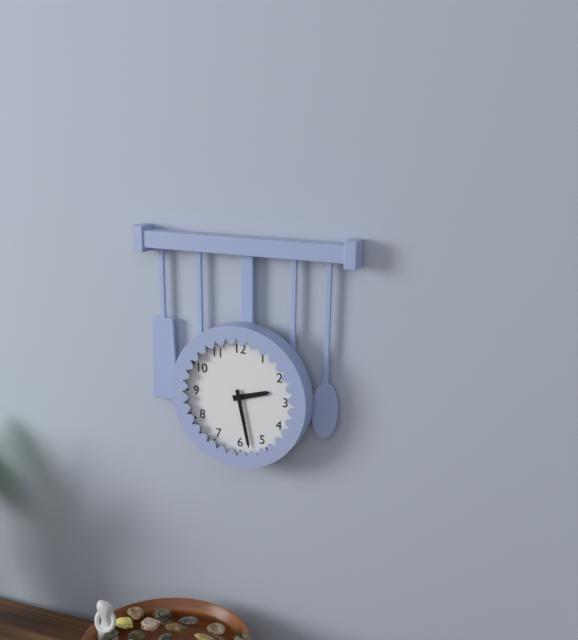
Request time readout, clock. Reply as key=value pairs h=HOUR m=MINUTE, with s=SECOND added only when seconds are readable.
h=2 m=28
